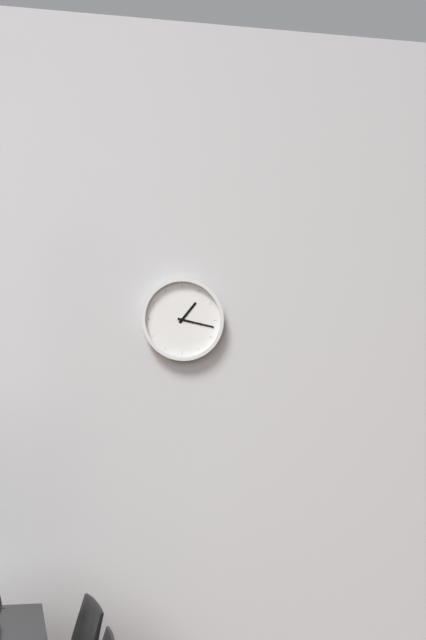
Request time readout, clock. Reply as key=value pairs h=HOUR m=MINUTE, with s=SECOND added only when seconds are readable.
h=1 m=17
